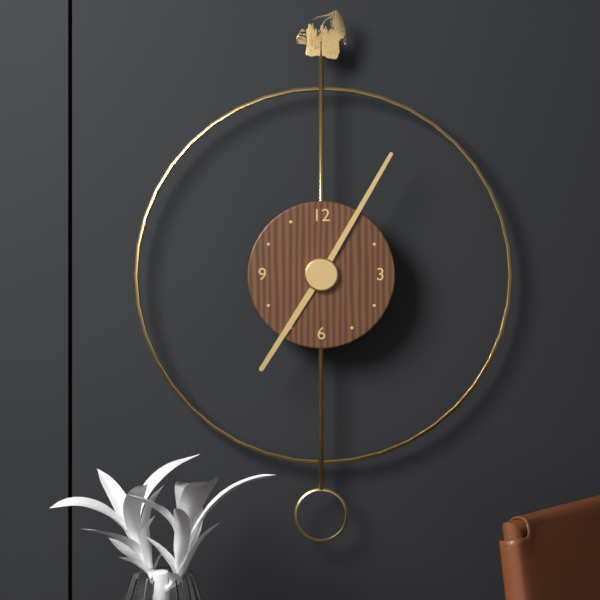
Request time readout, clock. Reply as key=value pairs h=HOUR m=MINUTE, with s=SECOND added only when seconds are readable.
h=7 m=5
